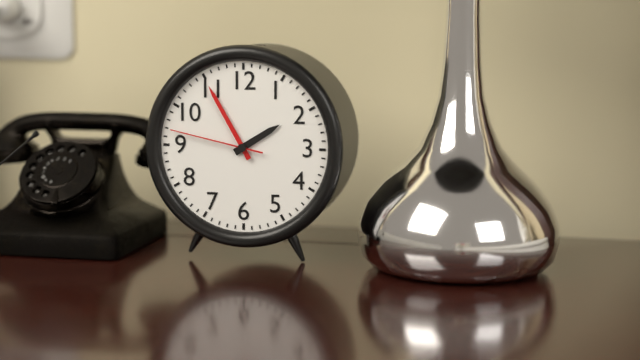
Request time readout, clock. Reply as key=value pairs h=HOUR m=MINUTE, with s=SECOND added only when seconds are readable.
h=1 m=55 s=47
